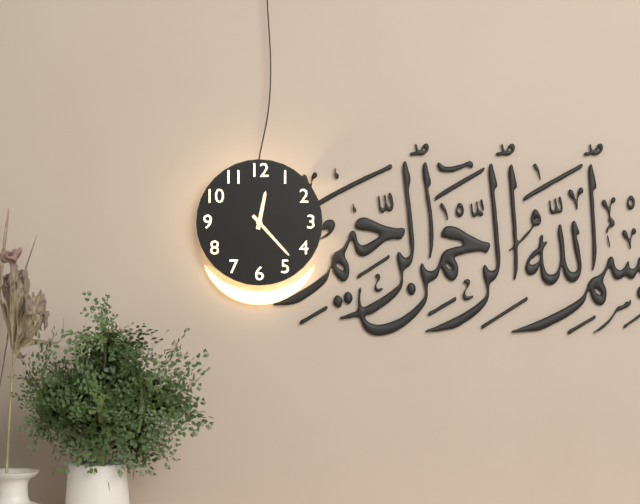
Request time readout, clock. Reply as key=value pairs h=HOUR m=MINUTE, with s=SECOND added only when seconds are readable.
h=12 m=23
